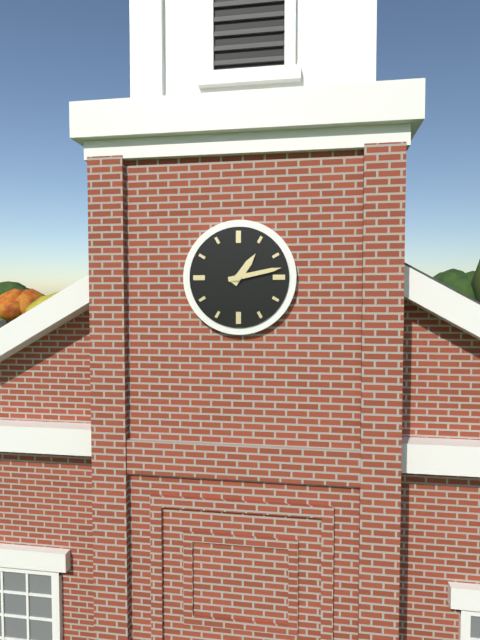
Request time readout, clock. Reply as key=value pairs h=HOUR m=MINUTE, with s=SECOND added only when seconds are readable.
h=1 m=13
